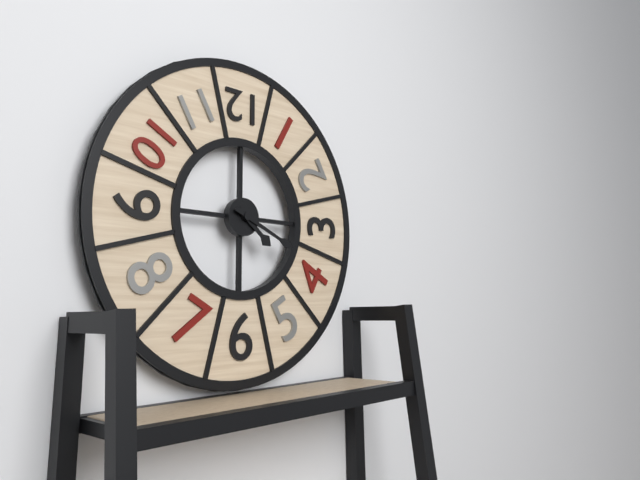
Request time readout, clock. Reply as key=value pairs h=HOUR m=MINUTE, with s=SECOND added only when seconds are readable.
h=4 m=19
